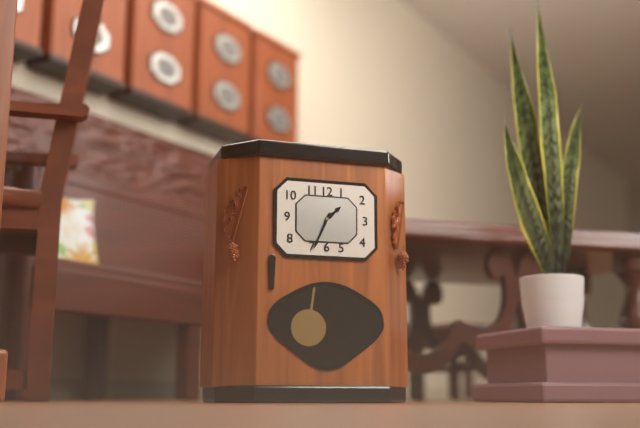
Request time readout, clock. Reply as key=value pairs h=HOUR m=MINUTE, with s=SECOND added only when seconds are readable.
h=1 m=34
